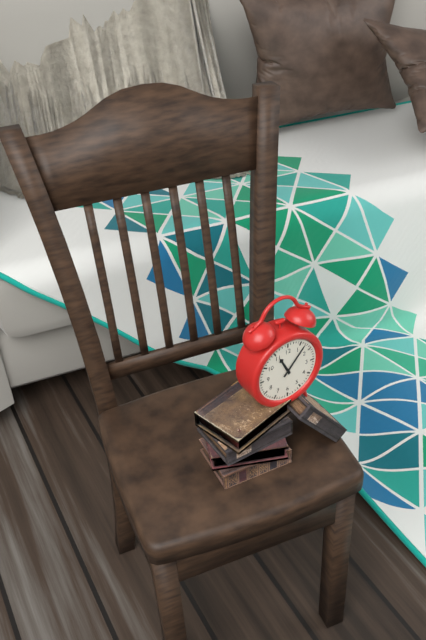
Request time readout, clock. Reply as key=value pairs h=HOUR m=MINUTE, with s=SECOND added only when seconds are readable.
h=11 m=7
